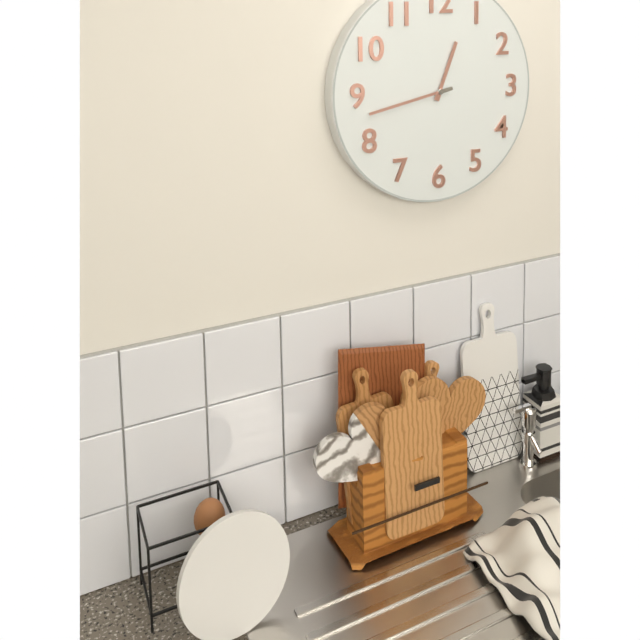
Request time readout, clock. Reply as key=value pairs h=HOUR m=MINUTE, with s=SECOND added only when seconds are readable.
h=12 m=43
